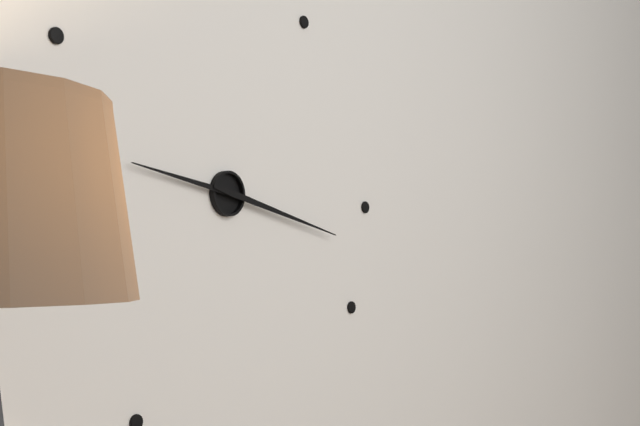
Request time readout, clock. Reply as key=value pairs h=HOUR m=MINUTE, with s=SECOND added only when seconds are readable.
h=9 m=17
